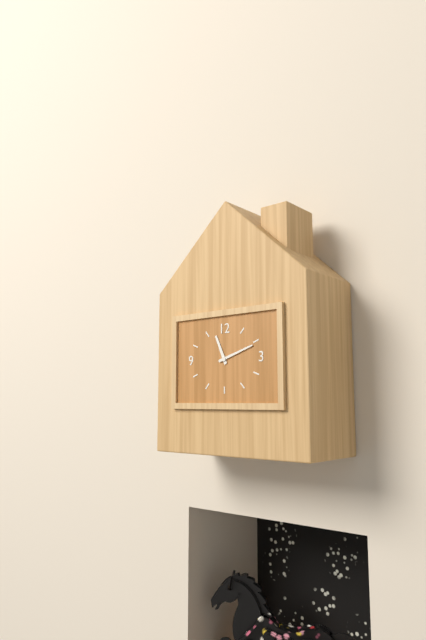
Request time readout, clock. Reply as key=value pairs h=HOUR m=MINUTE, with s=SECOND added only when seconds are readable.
h=11 m=12
